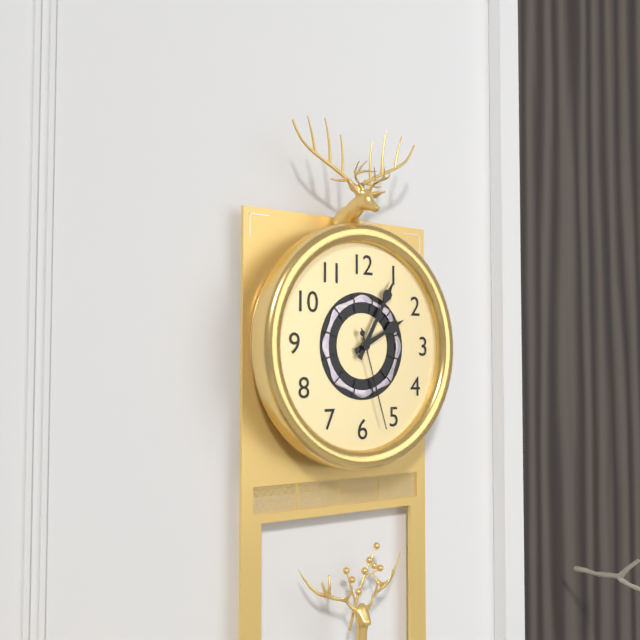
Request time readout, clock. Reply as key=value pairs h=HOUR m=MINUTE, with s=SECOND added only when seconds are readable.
h=2 m=5 s=27
